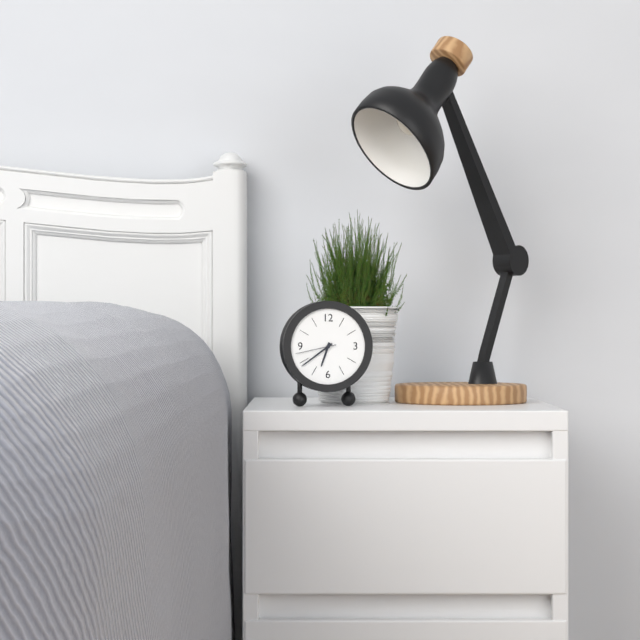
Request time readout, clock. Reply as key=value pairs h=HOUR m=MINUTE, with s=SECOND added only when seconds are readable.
h=6 m=39
